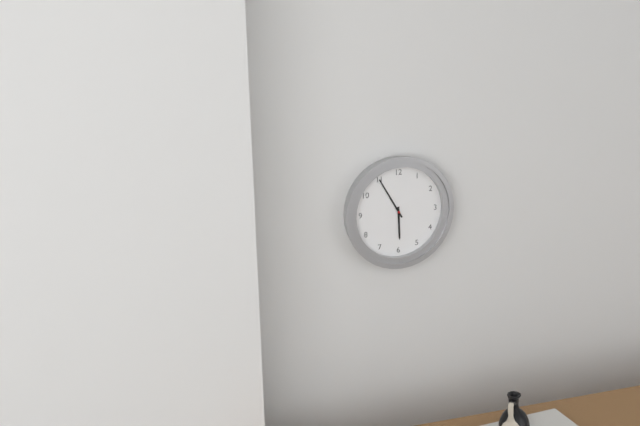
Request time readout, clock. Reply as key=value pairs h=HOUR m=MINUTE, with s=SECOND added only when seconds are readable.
h=5 m=55
